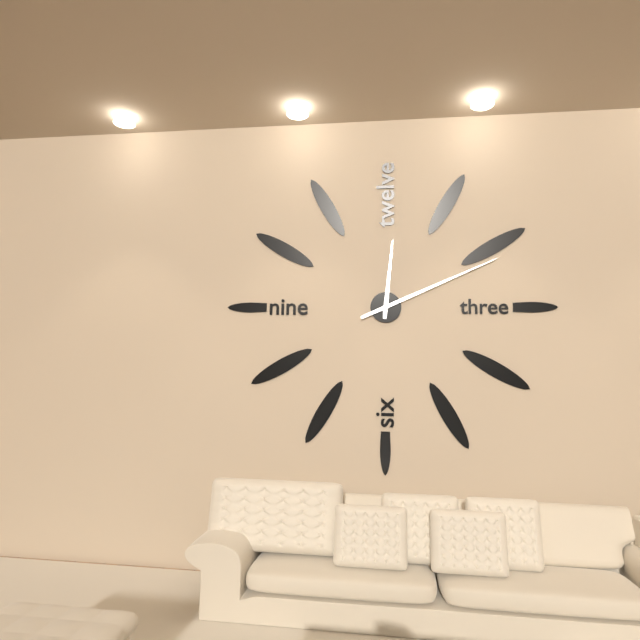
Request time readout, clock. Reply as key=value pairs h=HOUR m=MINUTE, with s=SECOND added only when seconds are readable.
h=12 m=11
